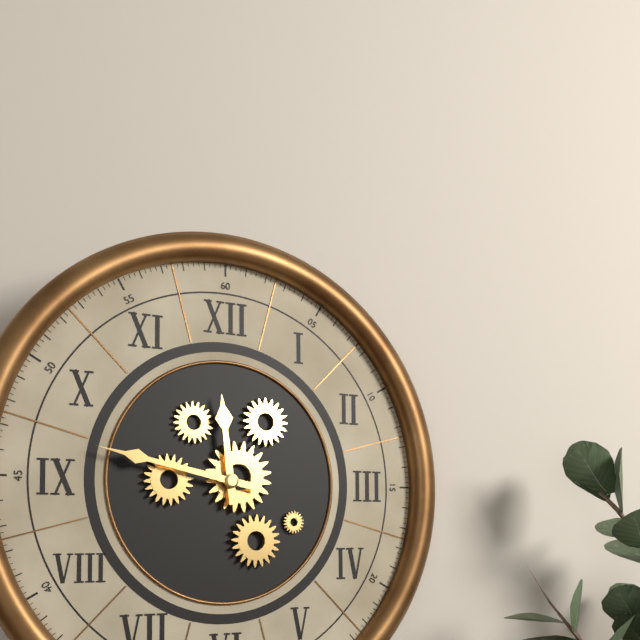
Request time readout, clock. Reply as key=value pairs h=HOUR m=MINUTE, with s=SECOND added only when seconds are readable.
h=11 m=47
